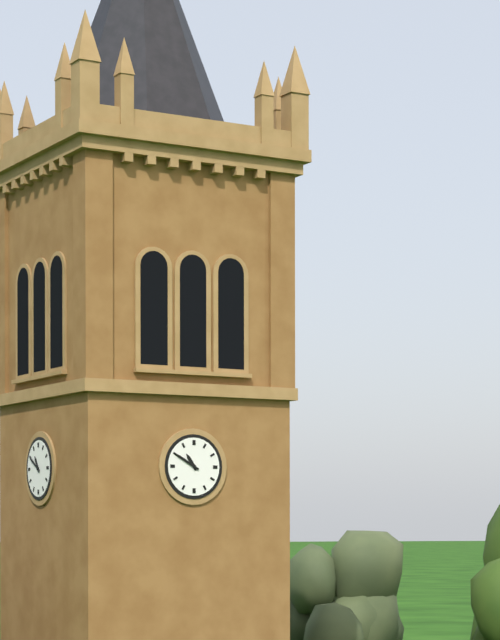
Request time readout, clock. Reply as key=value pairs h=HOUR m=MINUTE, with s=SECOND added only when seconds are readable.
h=10 m=50
